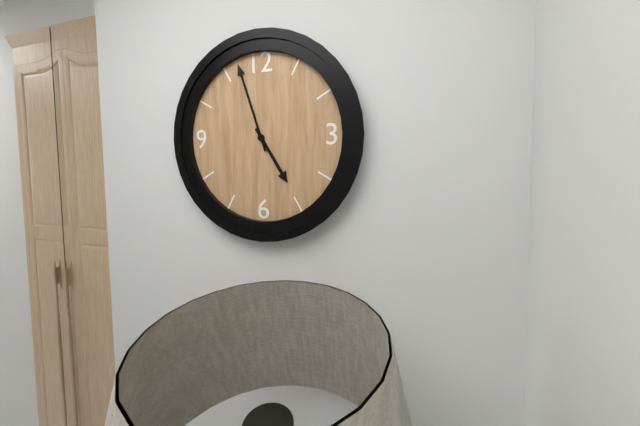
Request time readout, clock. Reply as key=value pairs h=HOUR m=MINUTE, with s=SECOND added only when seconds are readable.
h=4 m=57
